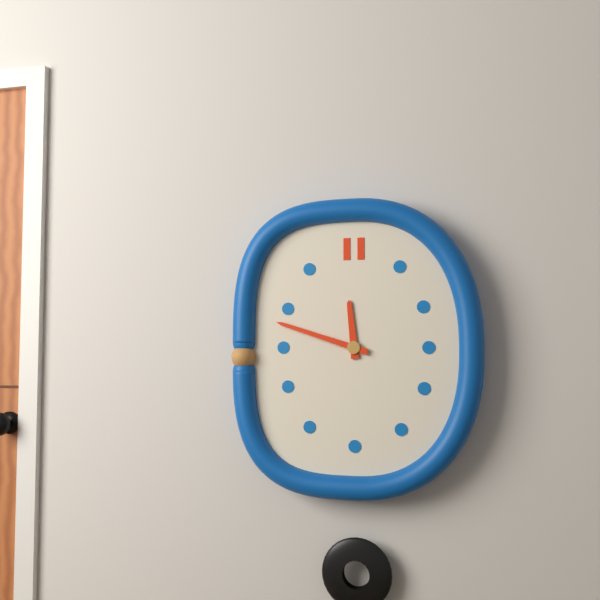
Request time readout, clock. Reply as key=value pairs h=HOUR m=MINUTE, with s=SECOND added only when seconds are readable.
h=11 m=48
